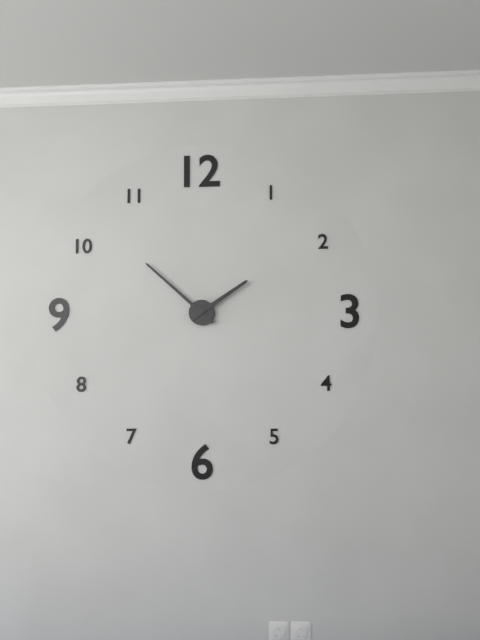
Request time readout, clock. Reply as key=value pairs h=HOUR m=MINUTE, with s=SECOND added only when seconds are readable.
h=1 m=52
